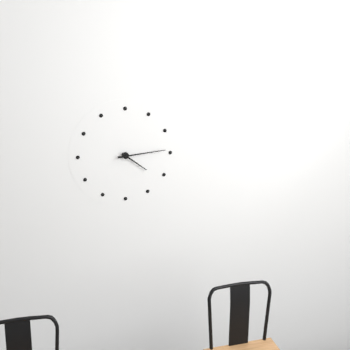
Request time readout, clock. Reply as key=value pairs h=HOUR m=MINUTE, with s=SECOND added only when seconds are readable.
h=4 m=14
